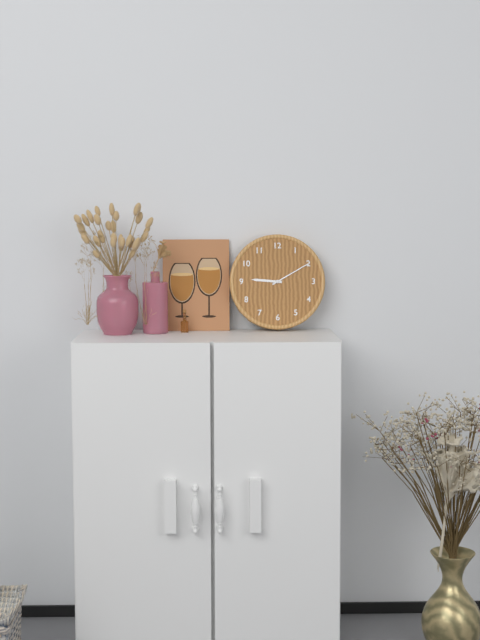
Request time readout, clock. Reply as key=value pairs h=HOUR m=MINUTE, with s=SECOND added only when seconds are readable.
h=9 m=10
